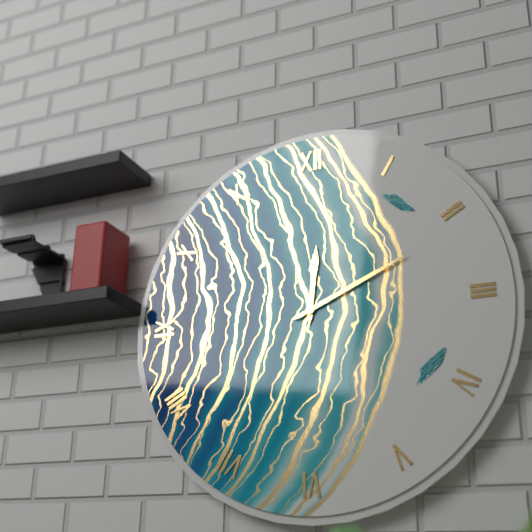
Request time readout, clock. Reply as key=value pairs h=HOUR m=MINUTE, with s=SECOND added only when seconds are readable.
h=12 m=11
